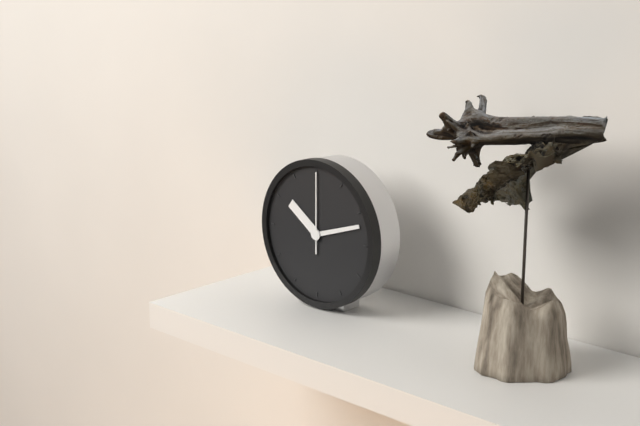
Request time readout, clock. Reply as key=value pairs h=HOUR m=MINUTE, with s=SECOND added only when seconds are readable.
h=10 m=12 s=0
